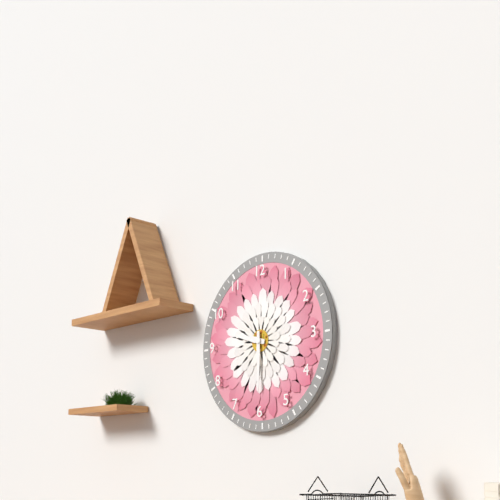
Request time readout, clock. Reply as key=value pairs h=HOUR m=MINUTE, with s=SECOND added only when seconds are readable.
h=9 m=30
